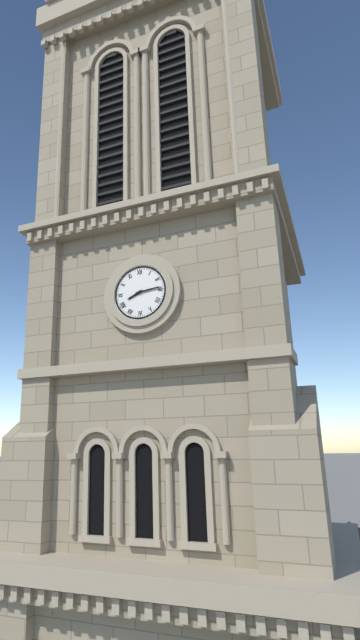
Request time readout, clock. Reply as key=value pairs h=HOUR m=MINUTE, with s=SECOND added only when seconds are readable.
h=8 m=14
